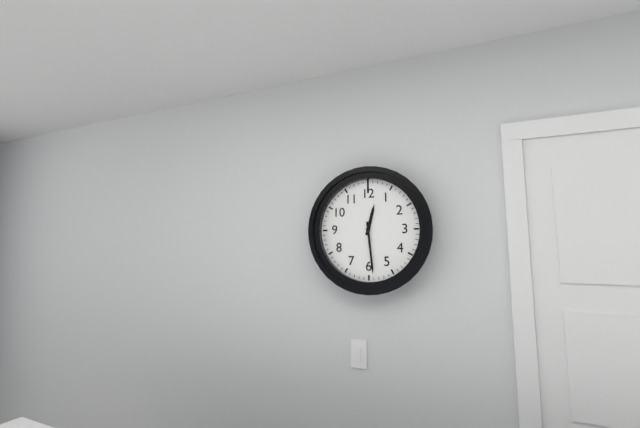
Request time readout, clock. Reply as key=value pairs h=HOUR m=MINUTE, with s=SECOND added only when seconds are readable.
h=12 m=29
